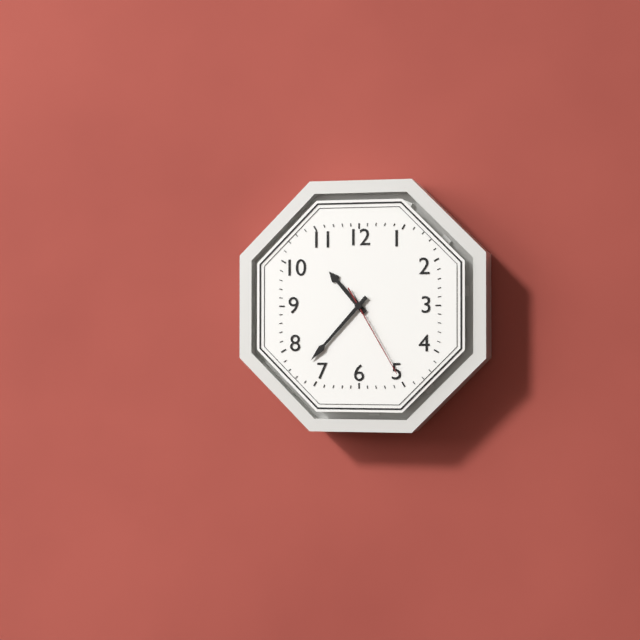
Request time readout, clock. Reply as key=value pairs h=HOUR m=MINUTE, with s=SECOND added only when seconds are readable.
h=10 m=37 s=25
